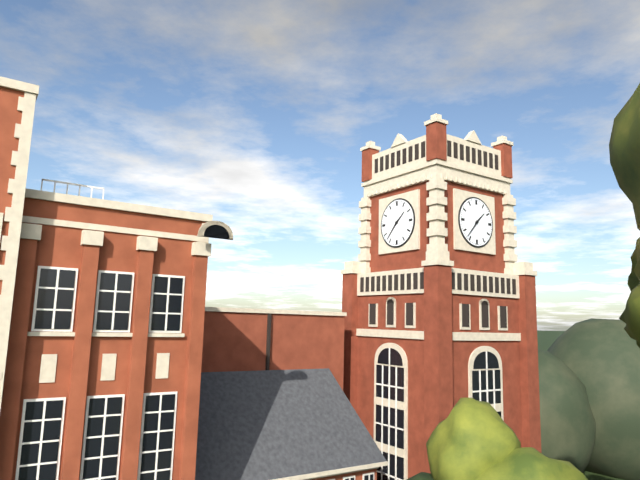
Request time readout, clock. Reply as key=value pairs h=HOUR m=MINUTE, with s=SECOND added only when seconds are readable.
h=1 m=37
